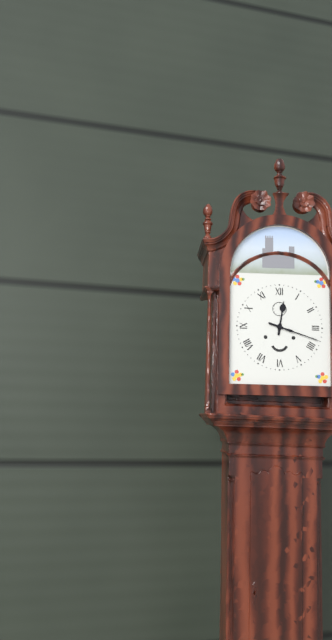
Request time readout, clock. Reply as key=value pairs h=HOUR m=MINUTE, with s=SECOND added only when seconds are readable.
h=12 m=18
